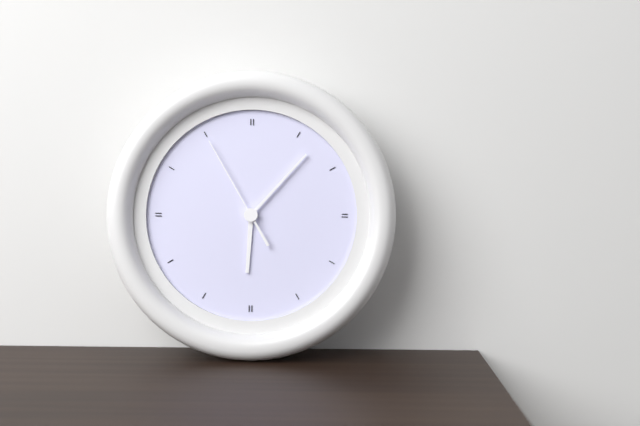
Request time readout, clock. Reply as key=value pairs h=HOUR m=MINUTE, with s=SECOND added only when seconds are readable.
h=6 m=7 s=55
